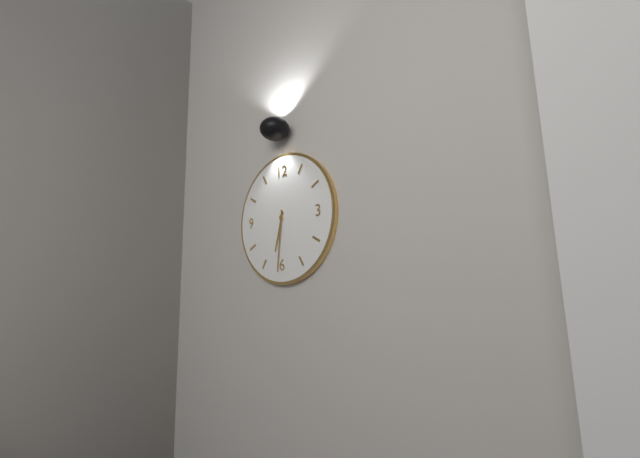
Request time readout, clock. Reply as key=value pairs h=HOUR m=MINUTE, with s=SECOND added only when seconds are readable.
h=6 m=31
